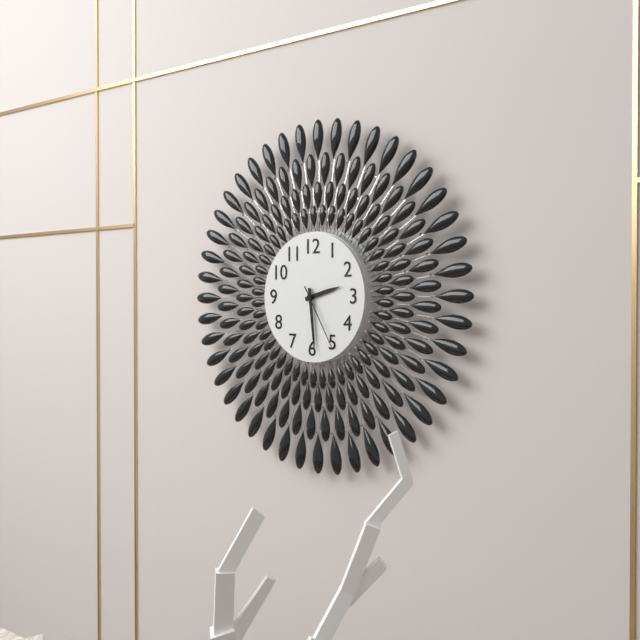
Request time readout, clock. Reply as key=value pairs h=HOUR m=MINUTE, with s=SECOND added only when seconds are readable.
h=2 m=29 s=25
